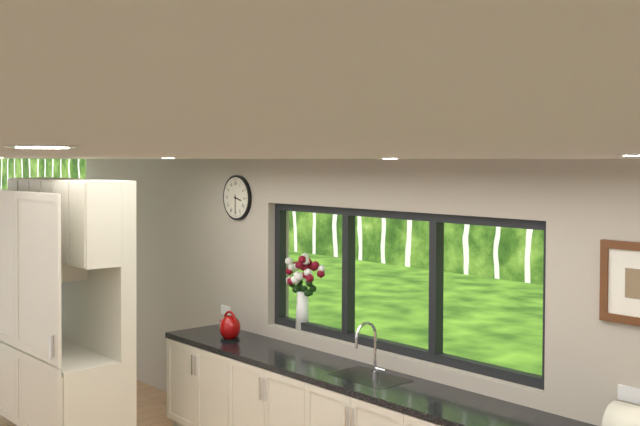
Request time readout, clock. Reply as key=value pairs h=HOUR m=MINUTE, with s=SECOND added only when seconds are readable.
h=3 m=30
